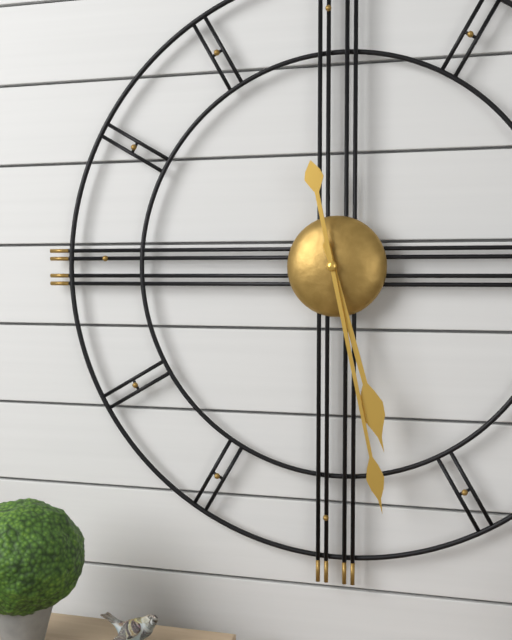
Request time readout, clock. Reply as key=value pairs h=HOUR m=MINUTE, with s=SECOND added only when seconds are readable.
h=5 m=28
